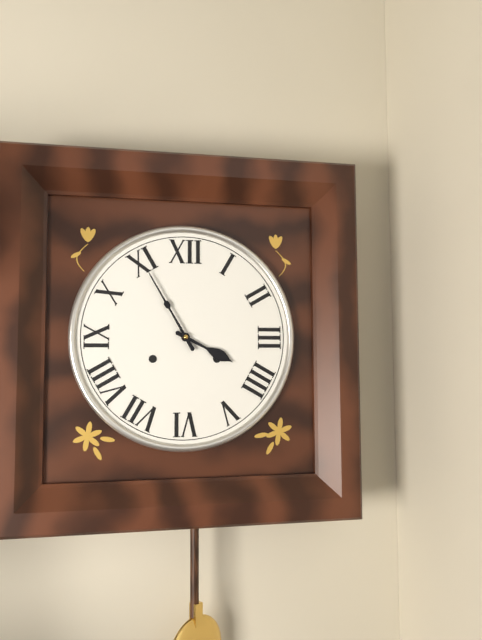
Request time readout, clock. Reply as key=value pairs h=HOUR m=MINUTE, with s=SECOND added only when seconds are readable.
h=3 m=55
